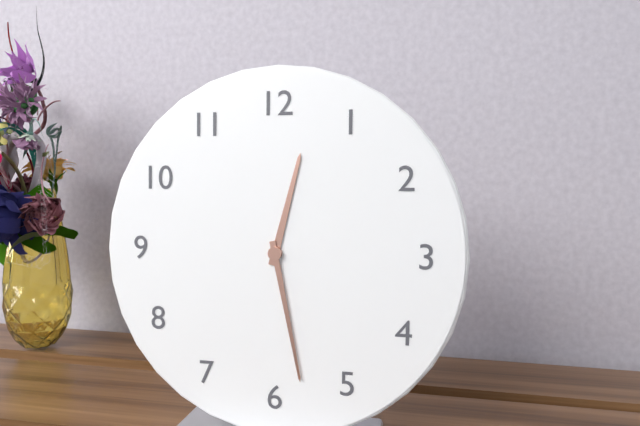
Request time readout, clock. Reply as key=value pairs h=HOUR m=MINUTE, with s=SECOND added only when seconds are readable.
h=12 m=28
